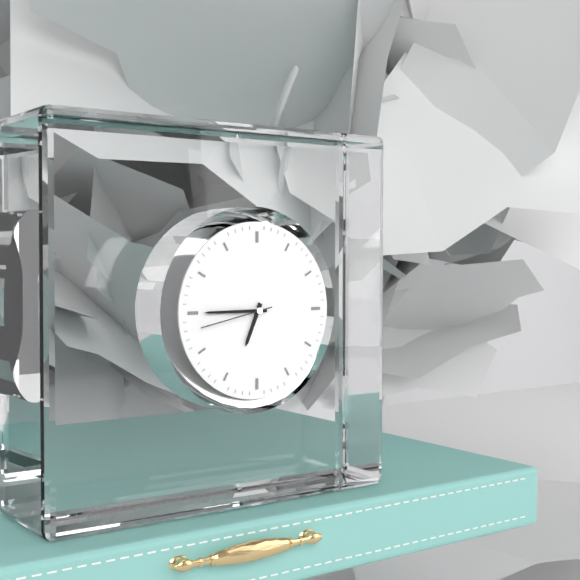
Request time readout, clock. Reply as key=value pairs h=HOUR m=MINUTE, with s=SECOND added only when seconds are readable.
h=6 m=45 s=43
